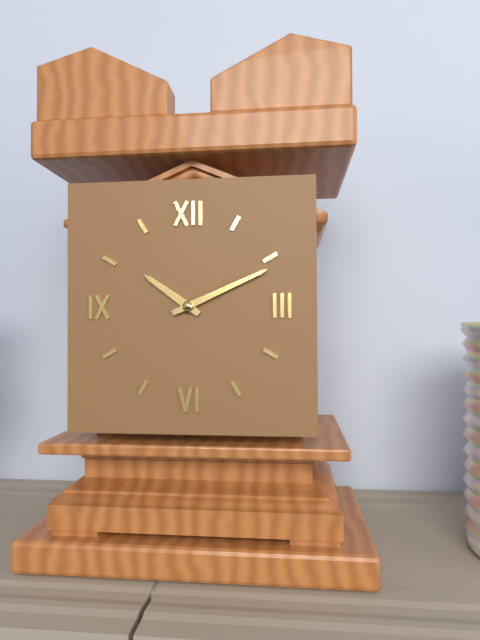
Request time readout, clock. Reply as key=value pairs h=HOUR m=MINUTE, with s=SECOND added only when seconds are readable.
h=10 m=11
